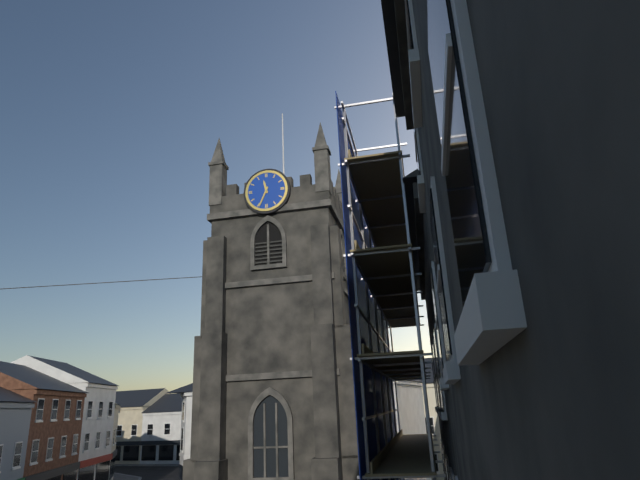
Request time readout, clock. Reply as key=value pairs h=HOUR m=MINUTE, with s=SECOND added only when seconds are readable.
h=11 m=34
